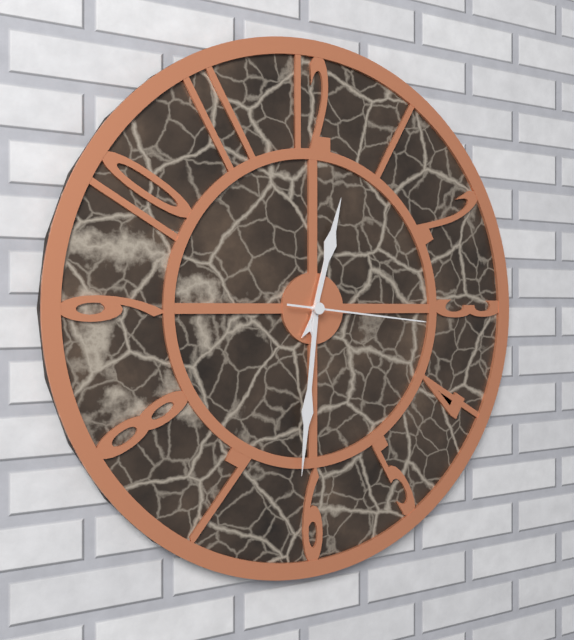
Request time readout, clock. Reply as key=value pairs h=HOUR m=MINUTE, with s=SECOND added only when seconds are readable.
h=12 m=31 s=16
